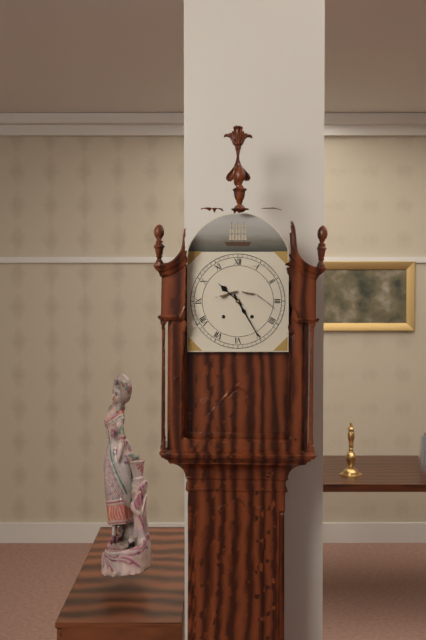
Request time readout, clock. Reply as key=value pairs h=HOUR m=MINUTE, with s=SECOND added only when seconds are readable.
h=10 m=25
